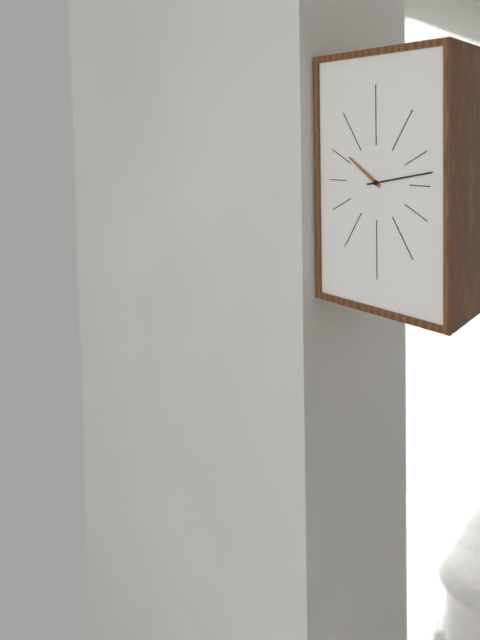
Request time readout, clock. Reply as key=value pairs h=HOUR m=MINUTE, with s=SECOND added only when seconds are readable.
h=10 m=13
